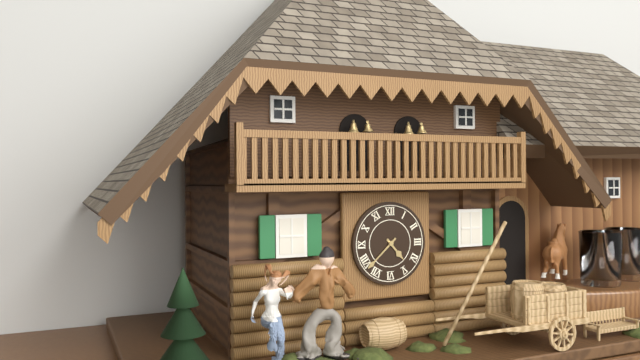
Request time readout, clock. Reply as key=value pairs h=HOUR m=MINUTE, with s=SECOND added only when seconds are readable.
h=4 m=38
